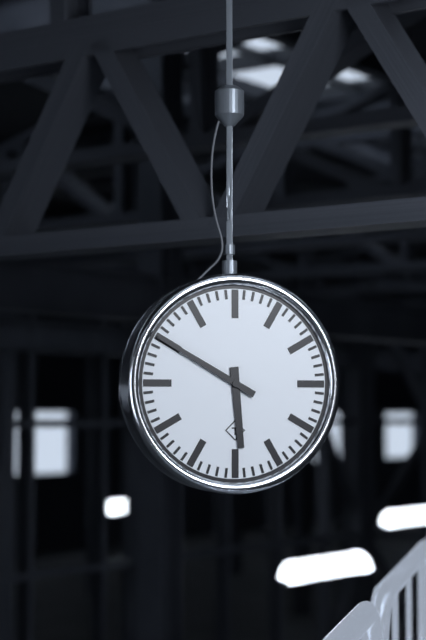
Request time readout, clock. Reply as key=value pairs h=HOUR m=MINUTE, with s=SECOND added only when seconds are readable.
h=5 m=50
